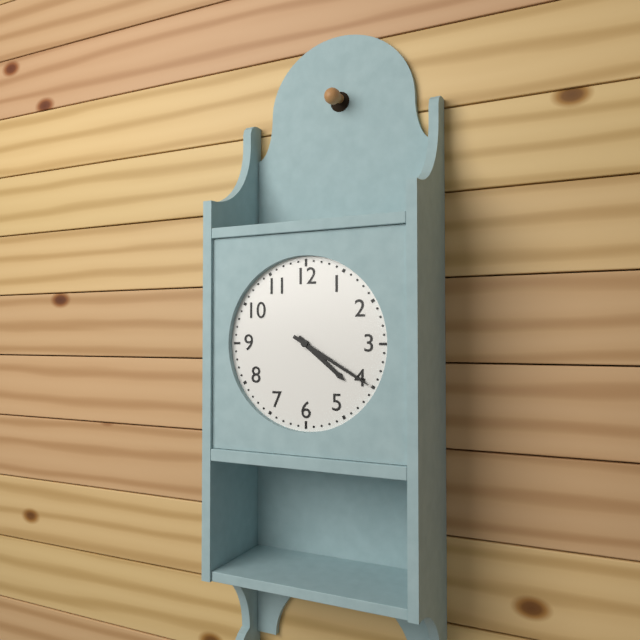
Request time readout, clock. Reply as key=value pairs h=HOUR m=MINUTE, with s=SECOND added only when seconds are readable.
h=4 m=20
